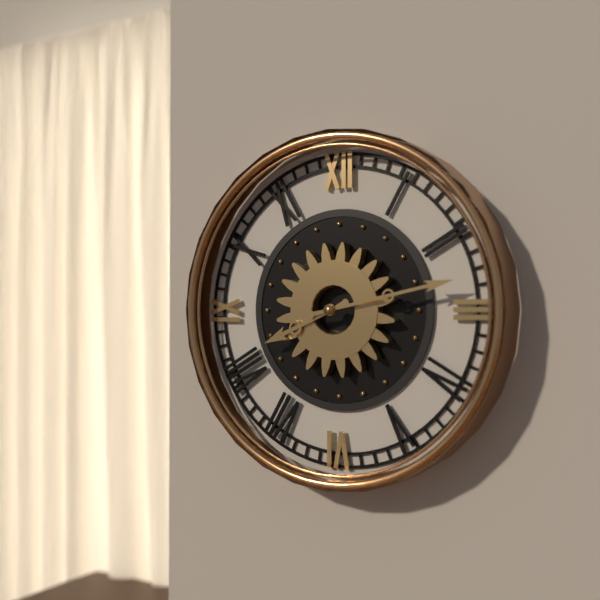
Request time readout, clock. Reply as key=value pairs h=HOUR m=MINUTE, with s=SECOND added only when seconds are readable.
h=8 m=13
